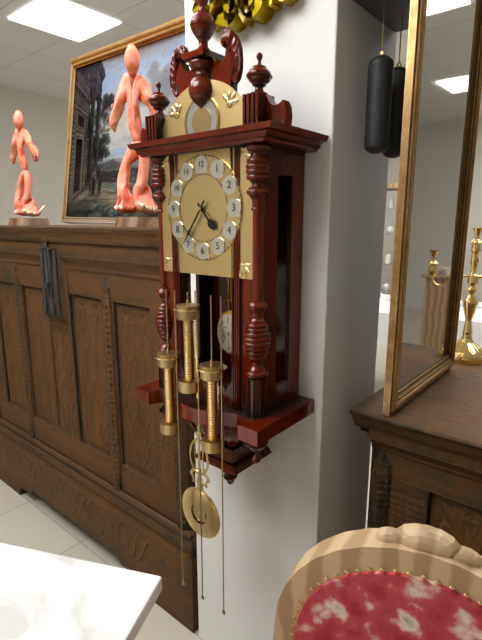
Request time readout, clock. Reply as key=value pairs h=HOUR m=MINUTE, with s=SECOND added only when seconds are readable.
h=4 m=36
